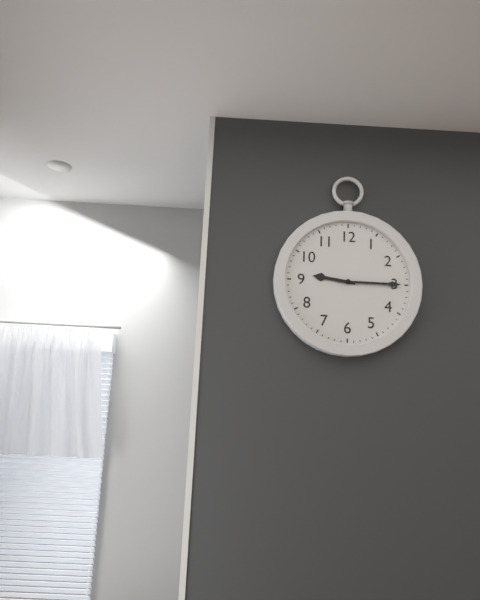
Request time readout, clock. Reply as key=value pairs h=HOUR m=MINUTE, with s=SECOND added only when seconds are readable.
h=9 m=15
